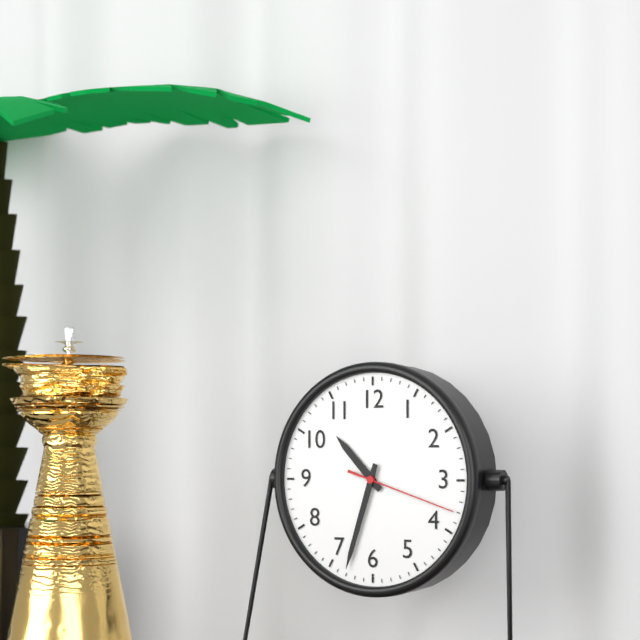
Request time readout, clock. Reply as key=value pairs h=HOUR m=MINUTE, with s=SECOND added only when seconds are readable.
h=10 m=33 s=18
